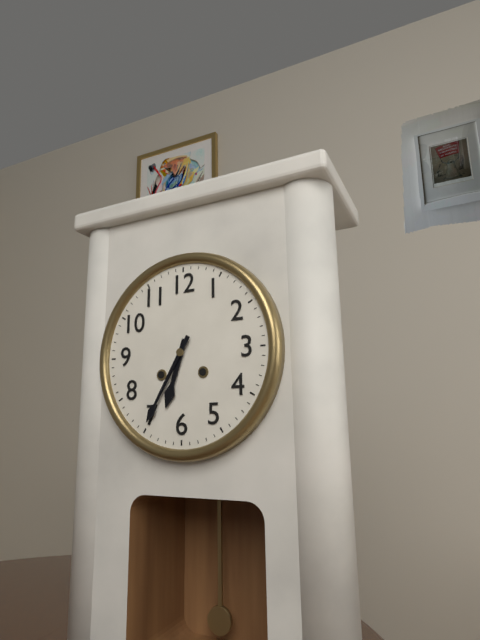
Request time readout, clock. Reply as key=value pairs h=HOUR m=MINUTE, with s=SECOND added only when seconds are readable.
h=6 m=35
